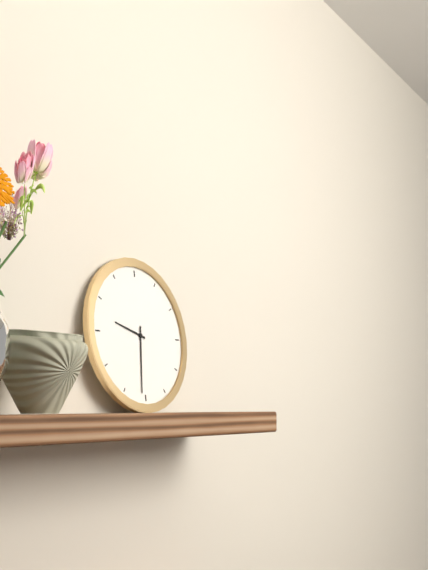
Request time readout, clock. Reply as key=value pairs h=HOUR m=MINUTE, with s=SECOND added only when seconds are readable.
h=9 m=31
